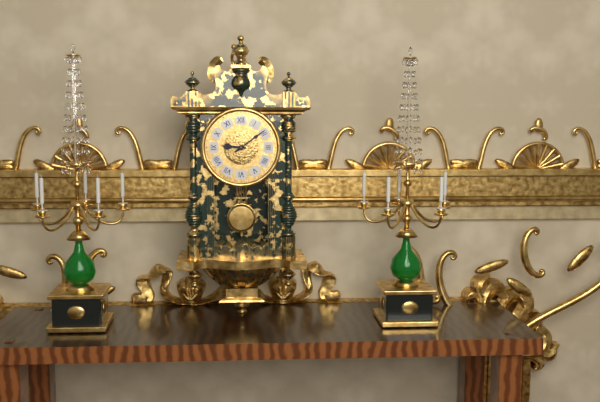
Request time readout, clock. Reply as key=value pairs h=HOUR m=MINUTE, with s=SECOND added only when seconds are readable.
h=9 m=9
